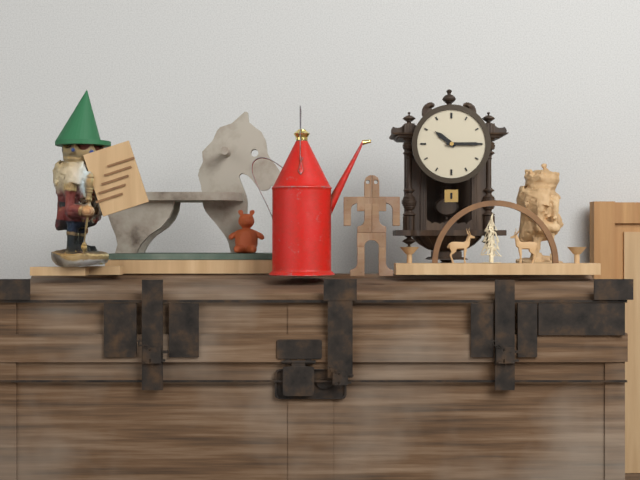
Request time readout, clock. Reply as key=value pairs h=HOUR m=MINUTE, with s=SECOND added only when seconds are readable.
h=10 m=15
